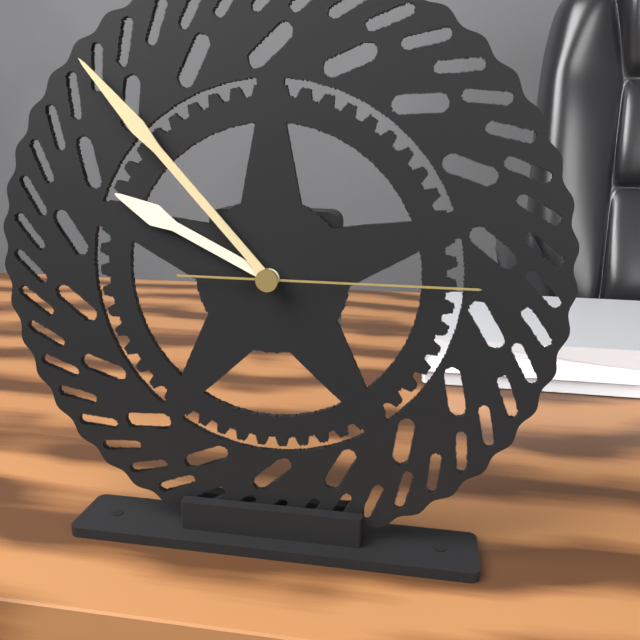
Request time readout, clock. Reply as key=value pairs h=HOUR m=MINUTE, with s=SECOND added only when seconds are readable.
h=9 m=53 s=15
